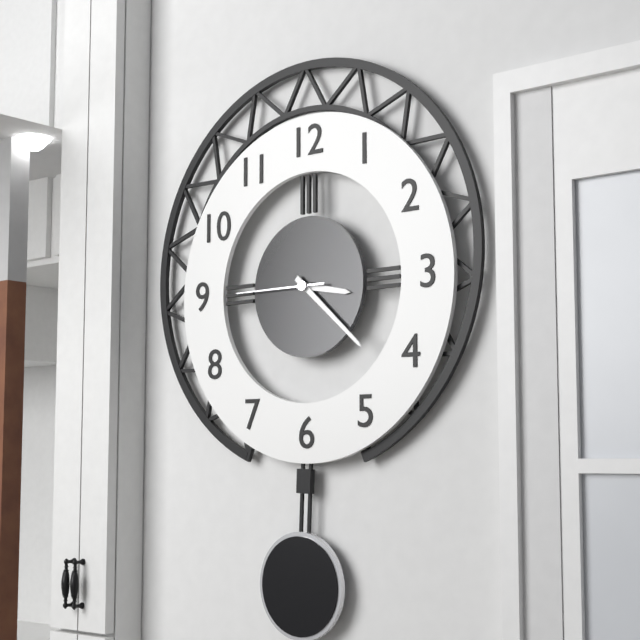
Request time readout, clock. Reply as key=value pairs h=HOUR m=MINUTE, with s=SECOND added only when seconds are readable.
h=3 m=22 s=45
